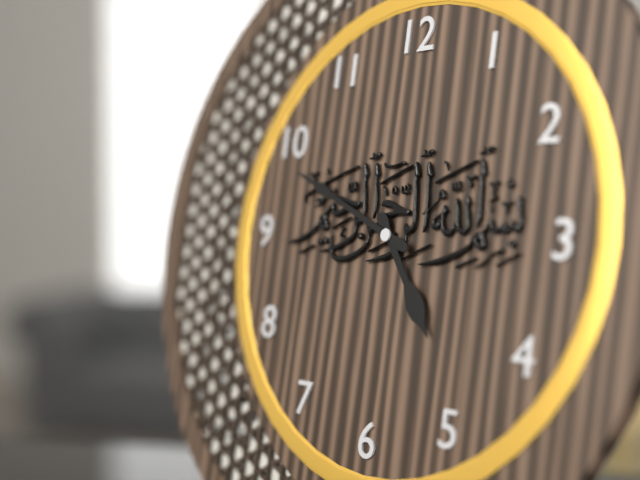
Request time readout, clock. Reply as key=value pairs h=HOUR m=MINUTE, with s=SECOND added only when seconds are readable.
h=4 m=49
